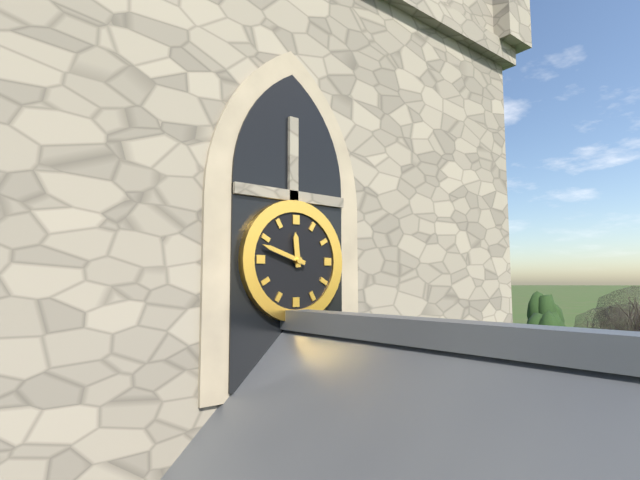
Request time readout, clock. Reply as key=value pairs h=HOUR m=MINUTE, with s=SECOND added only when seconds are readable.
h=11 m=48
